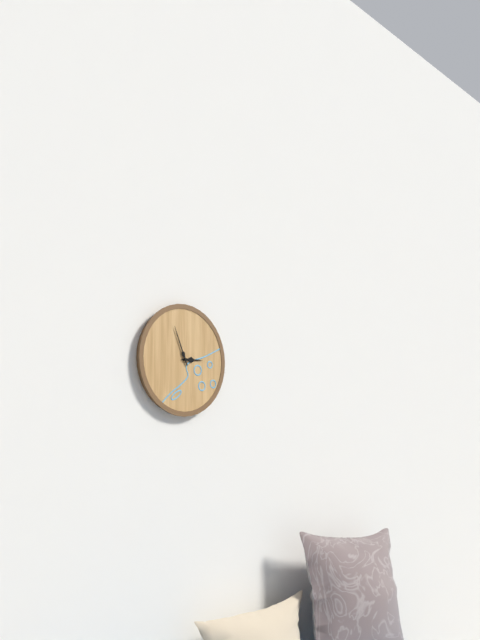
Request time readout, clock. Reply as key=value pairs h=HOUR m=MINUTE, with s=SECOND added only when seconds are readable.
h=2 m=56
